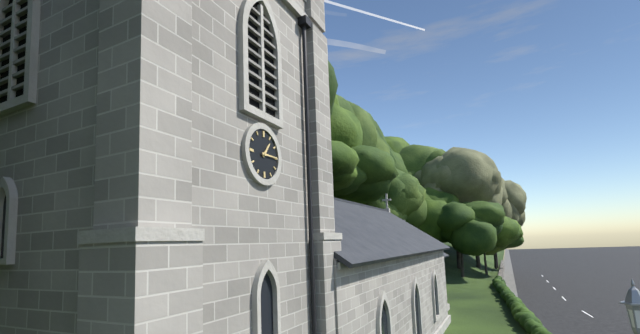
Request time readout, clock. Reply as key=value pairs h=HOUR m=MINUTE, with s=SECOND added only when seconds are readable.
h=1 m=15
